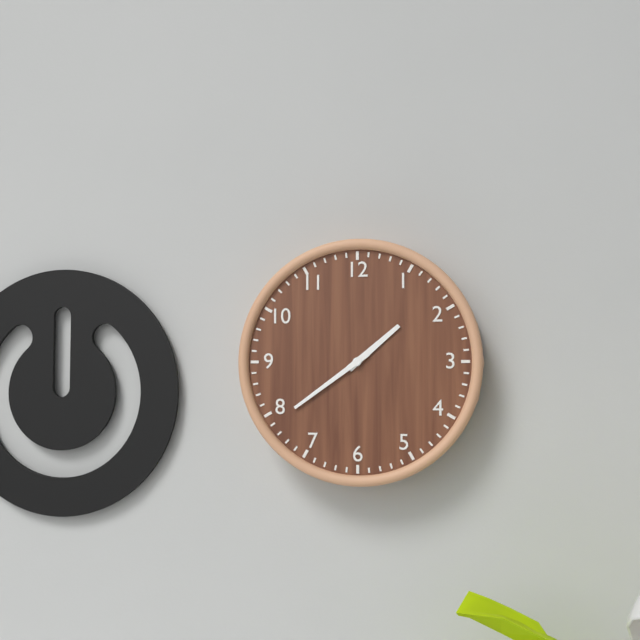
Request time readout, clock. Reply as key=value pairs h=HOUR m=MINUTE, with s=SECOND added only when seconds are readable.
h=1 m=39
